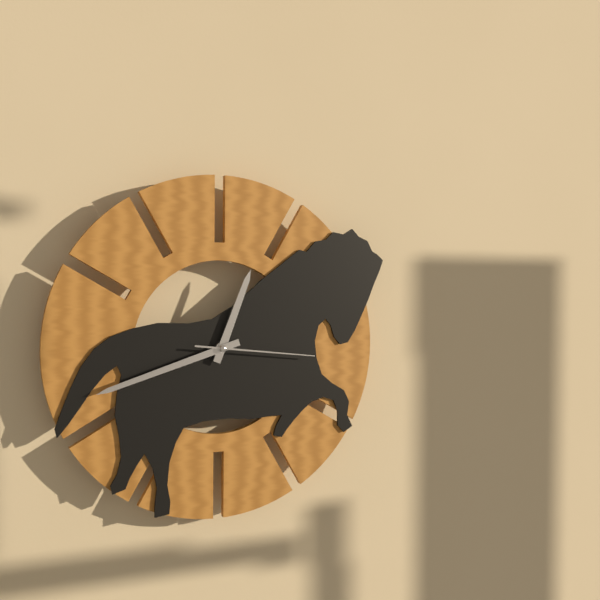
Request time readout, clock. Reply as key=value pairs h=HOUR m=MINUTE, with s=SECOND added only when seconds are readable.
h=12 m=42 s=16
